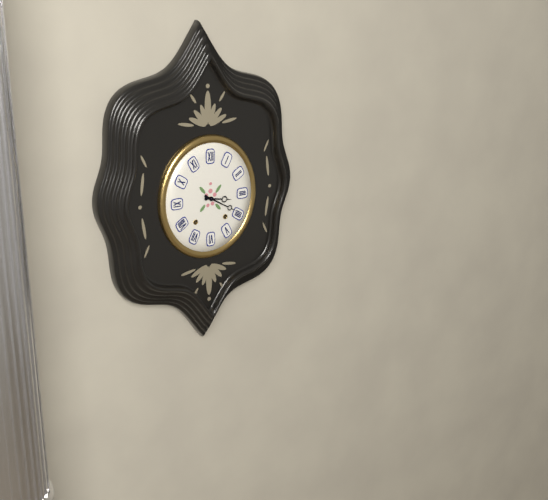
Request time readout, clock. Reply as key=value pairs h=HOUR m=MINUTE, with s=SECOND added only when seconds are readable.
h=3 m=20
